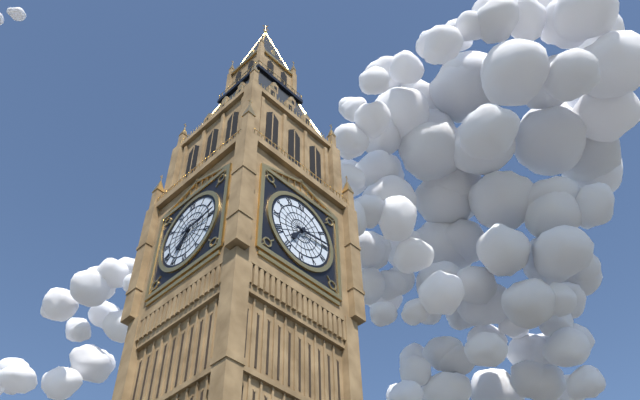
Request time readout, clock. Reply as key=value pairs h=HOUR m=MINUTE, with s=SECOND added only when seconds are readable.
h=7 m=14
